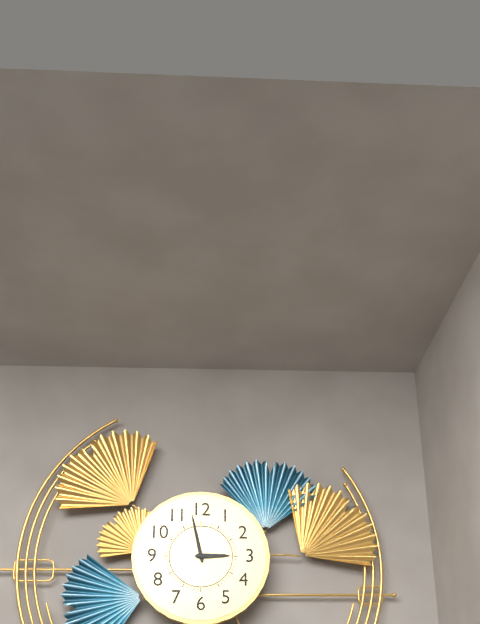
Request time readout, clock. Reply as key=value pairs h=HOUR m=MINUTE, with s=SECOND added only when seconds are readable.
h=2 m=58
